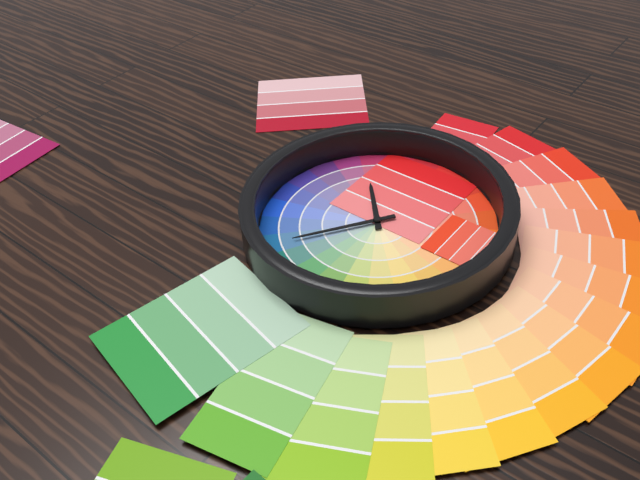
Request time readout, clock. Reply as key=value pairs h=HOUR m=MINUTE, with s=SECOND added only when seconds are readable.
h=10 m=36
